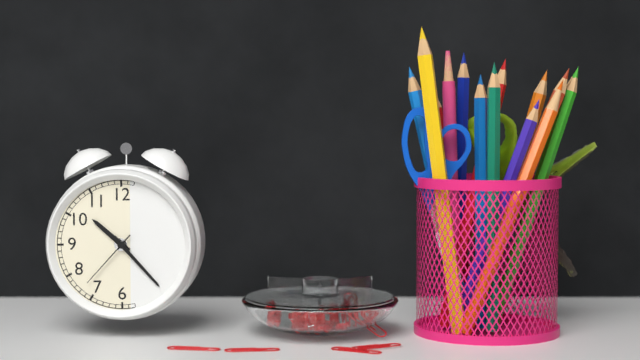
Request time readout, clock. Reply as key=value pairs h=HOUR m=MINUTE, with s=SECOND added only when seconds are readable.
h=10 m=23 s=37
